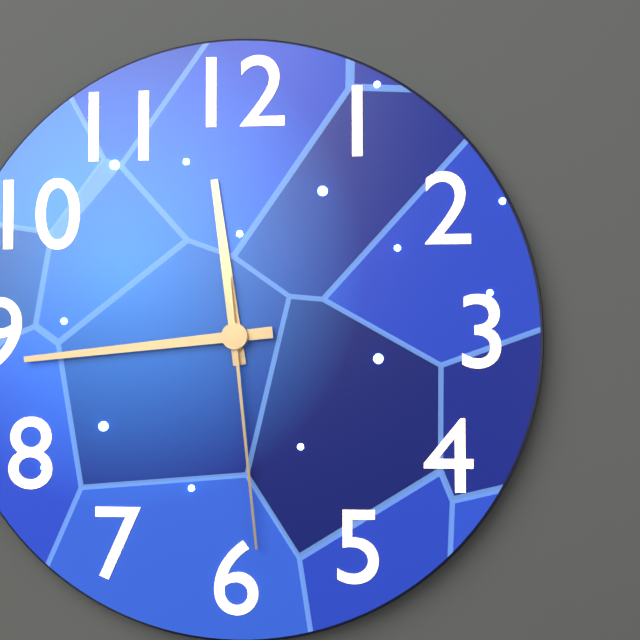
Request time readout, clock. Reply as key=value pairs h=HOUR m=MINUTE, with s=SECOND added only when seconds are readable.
h=11 m=44 s=29
